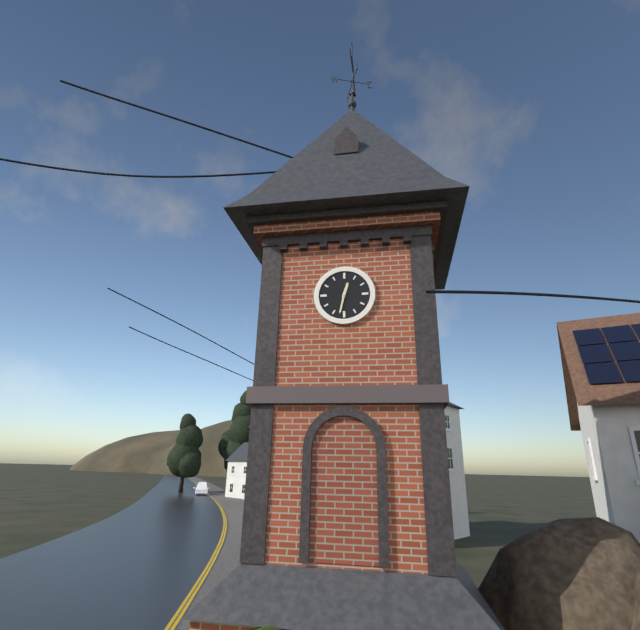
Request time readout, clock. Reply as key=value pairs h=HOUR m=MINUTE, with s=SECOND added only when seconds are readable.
h=12 m=32
